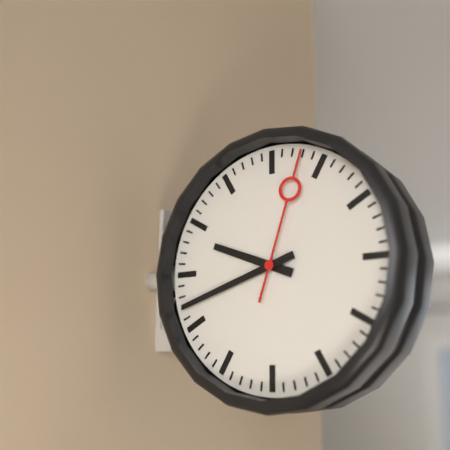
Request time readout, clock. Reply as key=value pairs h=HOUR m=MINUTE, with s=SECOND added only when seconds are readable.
h=9 m=42 s=3
